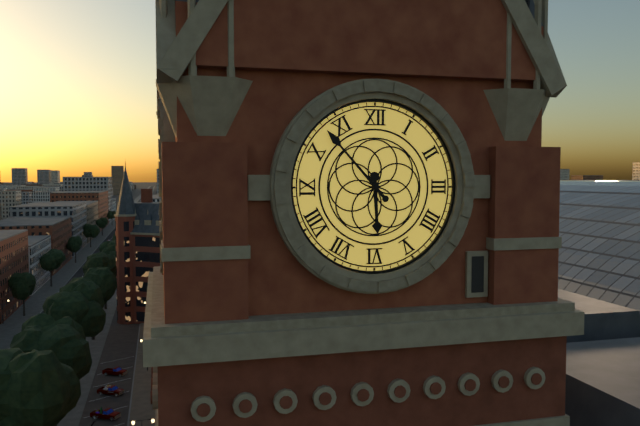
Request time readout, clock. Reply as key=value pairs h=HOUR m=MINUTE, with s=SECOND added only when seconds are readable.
h=5 m=53
